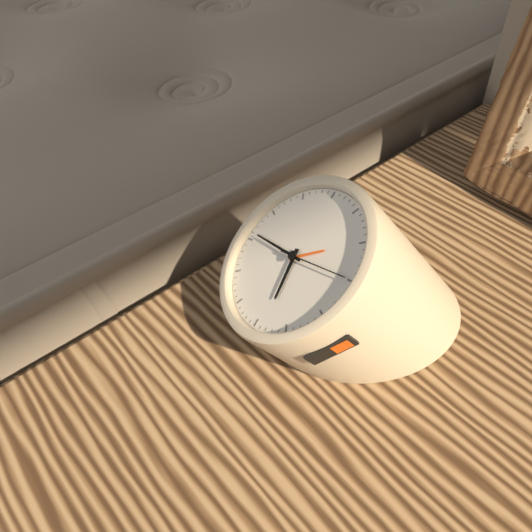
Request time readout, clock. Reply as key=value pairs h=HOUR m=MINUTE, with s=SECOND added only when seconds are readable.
h=4 m=41 s=10
